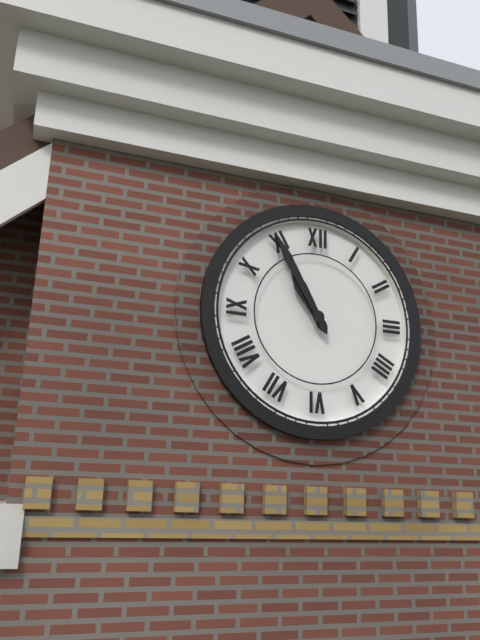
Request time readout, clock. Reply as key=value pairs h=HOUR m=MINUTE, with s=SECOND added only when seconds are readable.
h=10 m=55
